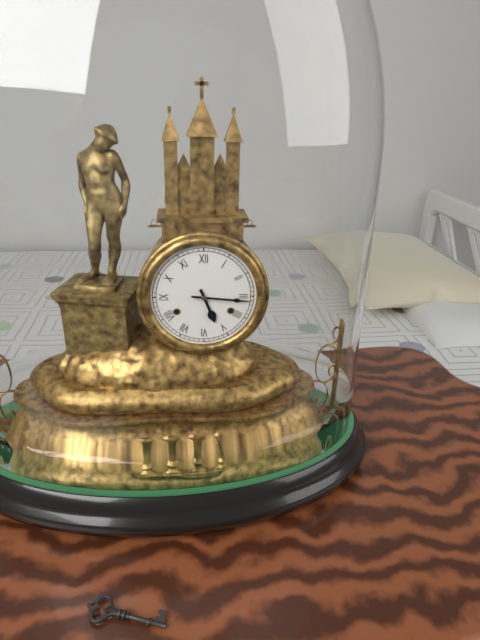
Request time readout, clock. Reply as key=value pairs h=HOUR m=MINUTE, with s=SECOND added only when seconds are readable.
h=5 m=16
